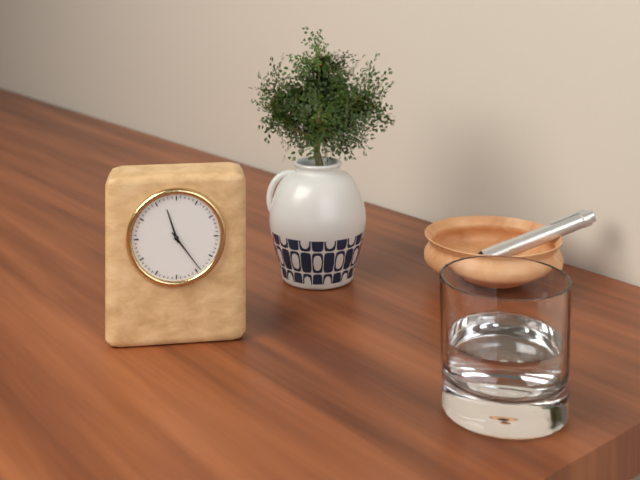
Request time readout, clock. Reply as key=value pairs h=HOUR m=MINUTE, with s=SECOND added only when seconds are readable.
h=11 m=24
